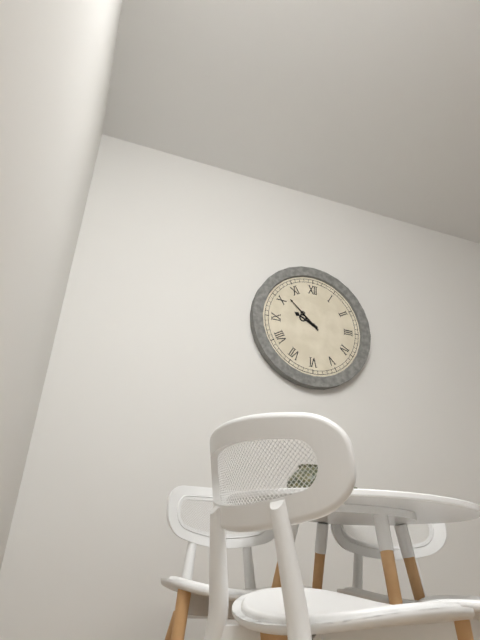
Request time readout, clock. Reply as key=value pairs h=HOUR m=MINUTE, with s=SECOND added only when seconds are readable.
h=9 m=52
